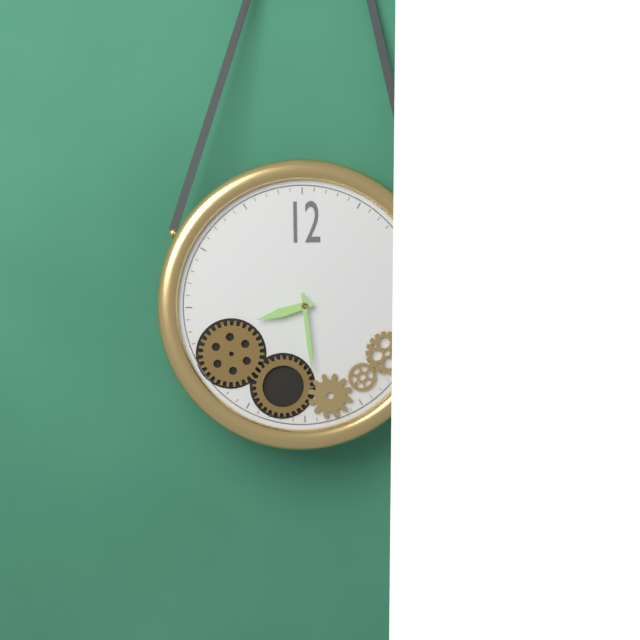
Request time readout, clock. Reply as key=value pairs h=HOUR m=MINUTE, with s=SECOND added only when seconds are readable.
h=8 m=29
